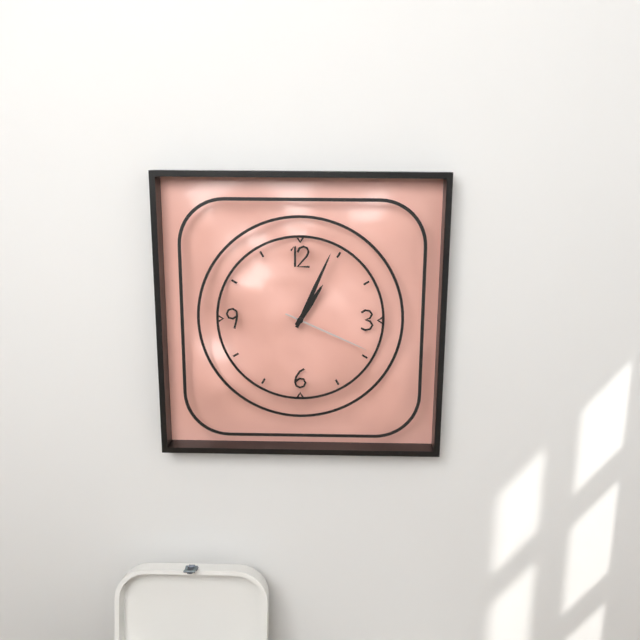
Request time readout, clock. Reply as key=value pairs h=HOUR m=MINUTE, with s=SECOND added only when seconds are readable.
h=1 m=4 s=19
